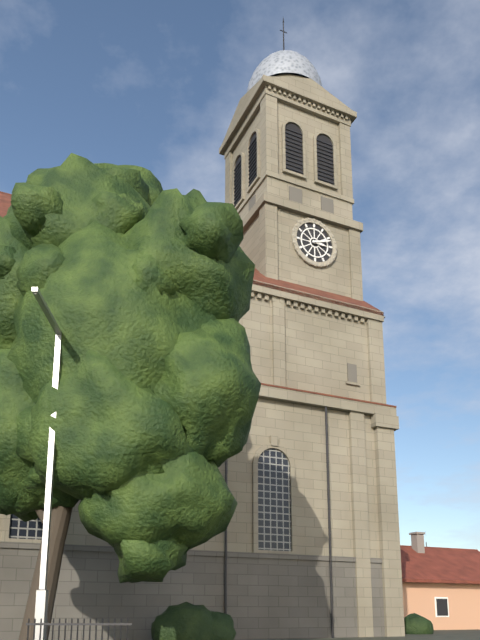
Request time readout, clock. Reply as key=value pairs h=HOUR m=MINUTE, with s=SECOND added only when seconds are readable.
h=3 m=12
